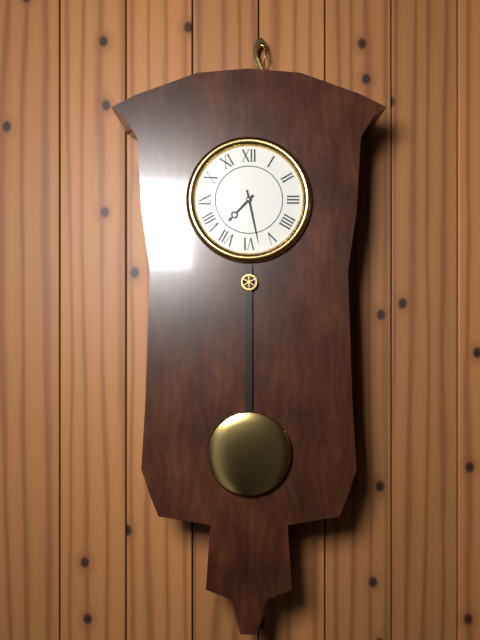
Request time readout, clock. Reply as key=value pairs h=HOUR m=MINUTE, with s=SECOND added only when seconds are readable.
h=7 m=28
